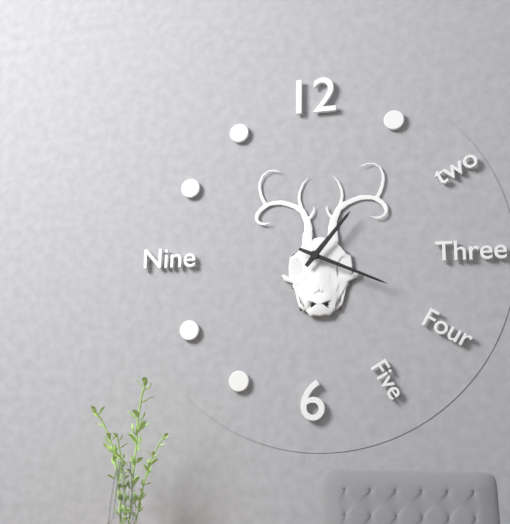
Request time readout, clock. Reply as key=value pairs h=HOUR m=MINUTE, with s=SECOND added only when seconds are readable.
h=1 m=19
